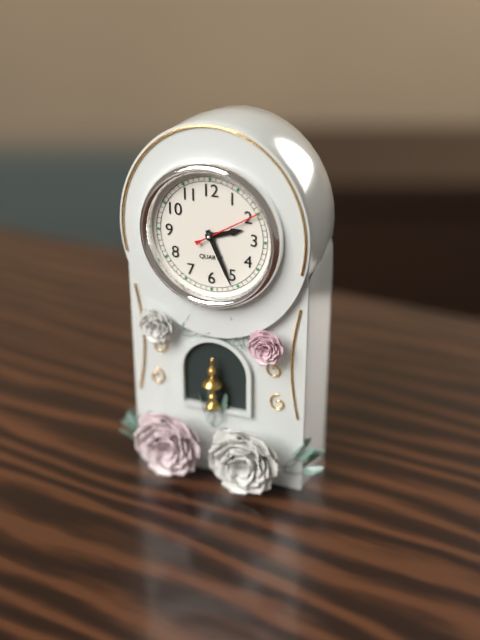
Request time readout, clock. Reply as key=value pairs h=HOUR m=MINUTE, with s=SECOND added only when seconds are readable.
h=2 m=26 s=10
